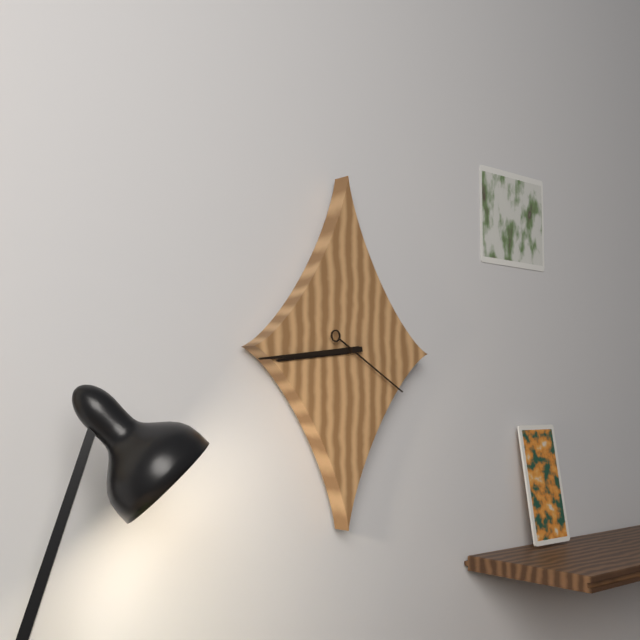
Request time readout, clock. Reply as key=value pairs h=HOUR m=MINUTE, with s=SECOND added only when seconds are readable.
h=8 m=44 s=20
